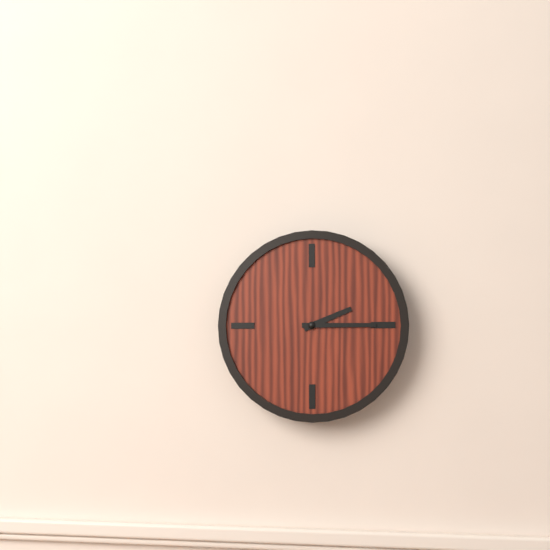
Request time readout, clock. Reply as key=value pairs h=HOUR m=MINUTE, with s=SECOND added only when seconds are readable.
h=2 m=15
